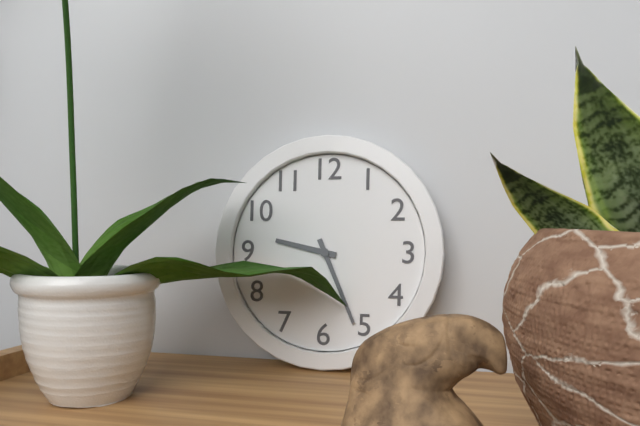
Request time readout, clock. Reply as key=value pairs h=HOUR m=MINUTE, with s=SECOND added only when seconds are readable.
h=9 m=26
